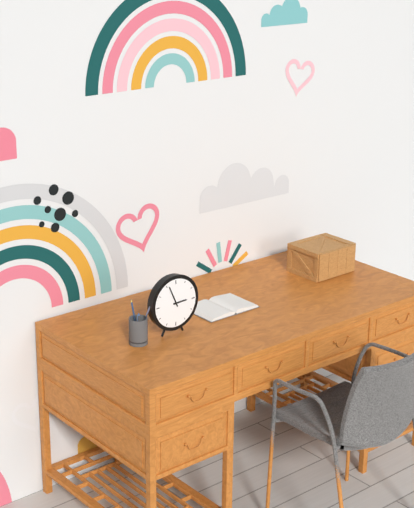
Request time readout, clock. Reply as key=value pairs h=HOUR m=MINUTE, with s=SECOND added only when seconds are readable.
h=2 m=56
